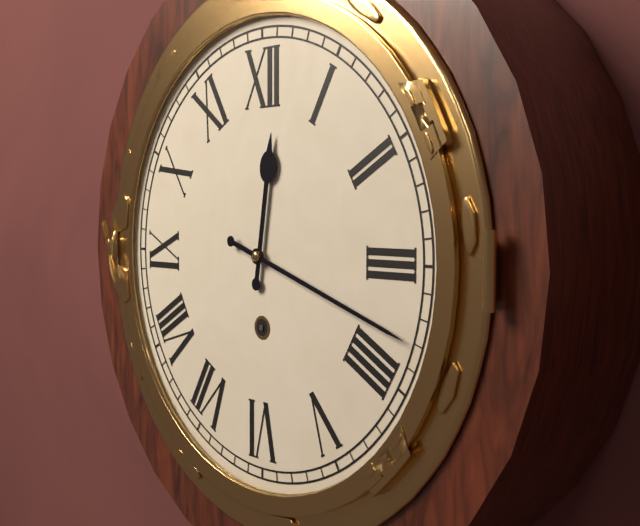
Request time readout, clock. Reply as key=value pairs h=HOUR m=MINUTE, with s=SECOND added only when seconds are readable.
h=12 m=18
